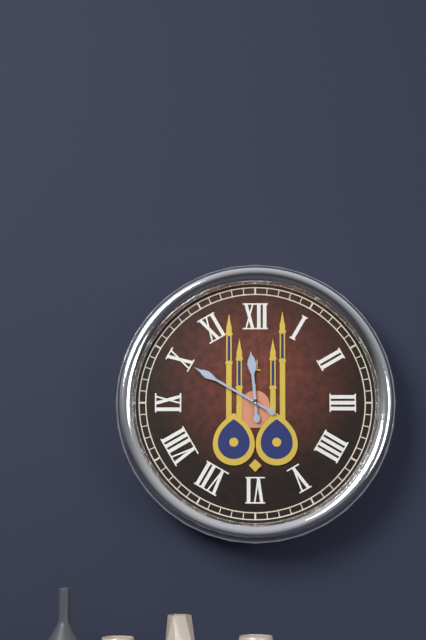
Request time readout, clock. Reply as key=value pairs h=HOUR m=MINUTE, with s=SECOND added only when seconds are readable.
h=11 m=50
